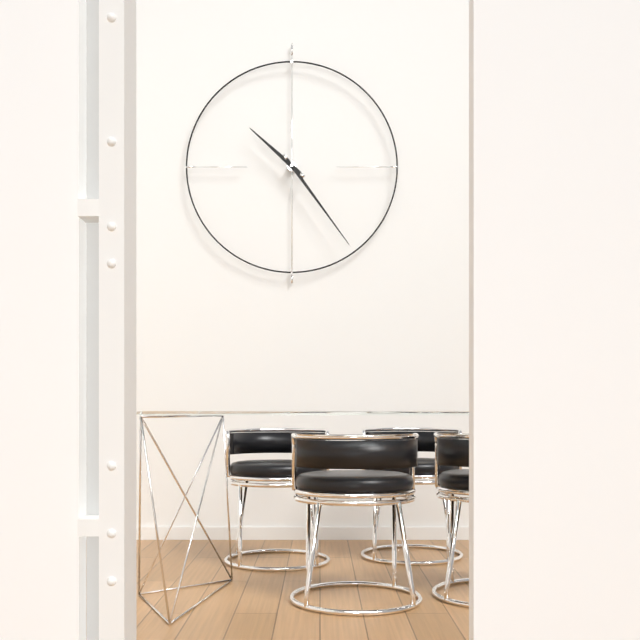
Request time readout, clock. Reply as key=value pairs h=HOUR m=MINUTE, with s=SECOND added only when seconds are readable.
h=10 m=24
